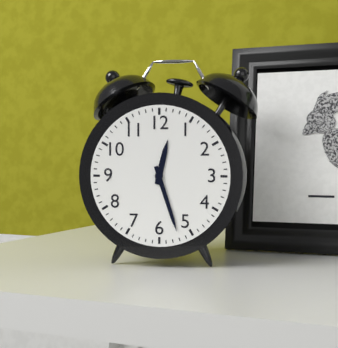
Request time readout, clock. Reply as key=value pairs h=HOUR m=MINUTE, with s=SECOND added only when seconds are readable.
h=12 m=27
